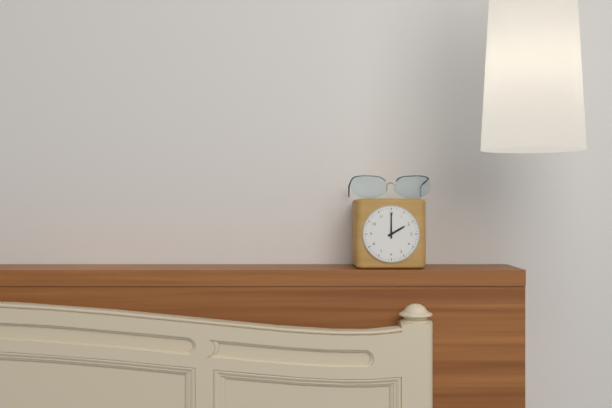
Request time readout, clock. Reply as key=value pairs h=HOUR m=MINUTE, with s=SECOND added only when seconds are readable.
h=2 m=0
